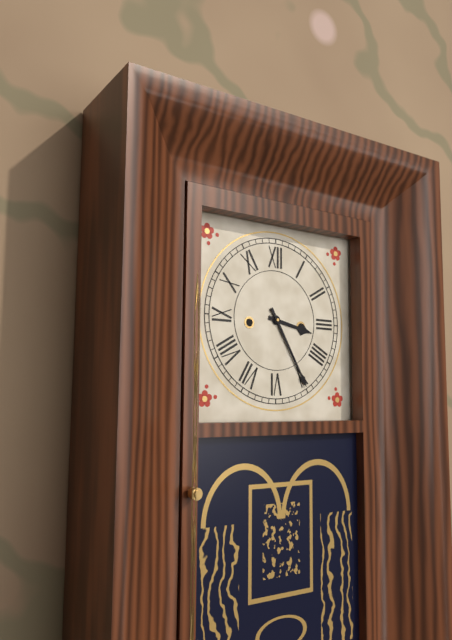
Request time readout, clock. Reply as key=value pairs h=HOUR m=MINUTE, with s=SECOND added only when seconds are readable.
h=3 m=25
